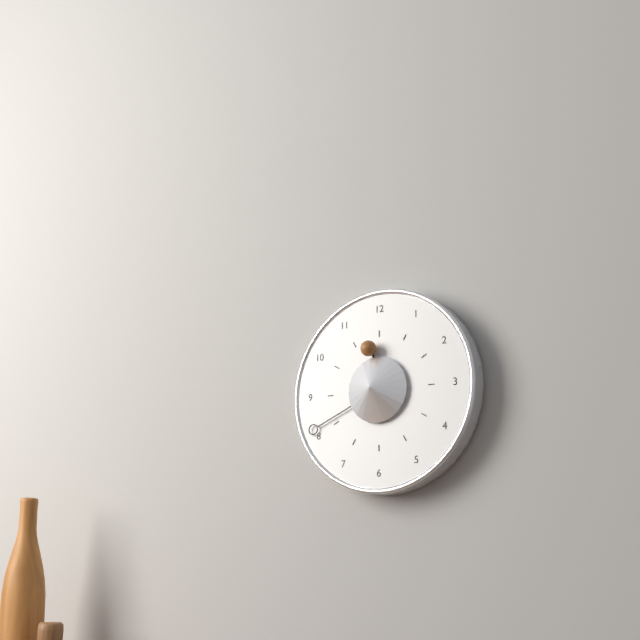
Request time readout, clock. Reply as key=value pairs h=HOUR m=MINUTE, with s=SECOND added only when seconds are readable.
h=11 m=41
